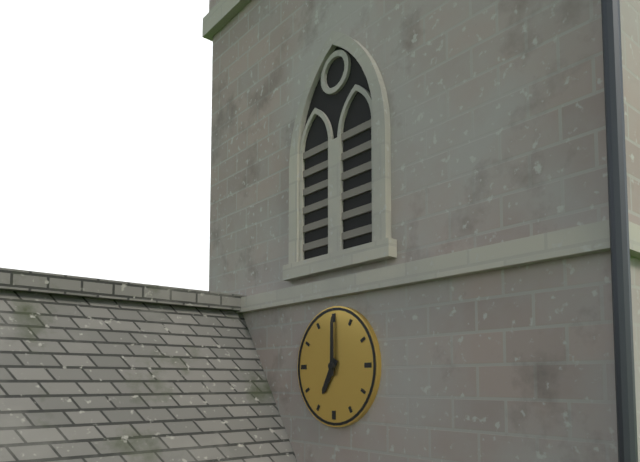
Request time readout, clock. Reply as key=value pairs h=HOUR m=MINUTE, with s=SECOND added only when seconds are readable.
h=7 m=0
